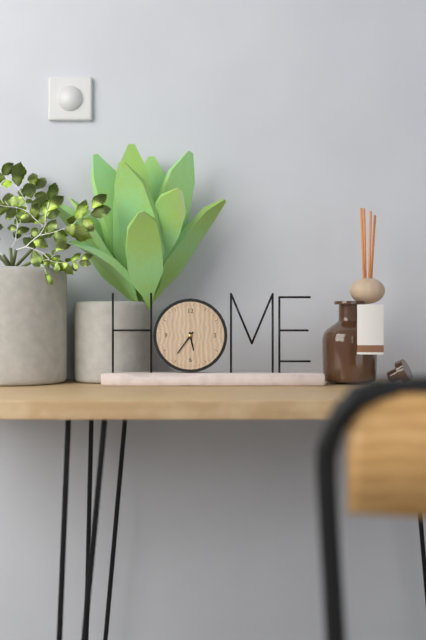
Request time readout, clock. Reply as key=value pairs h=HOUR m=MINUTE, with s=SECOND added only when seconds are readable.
h=5 m=36
